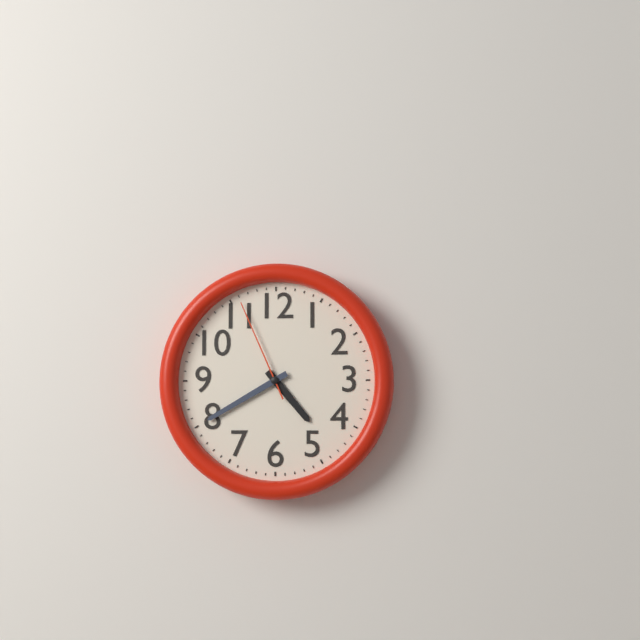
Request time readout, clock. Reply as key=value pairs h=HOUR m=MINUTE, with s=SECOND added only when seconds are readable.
h=4 m=40 s=56
